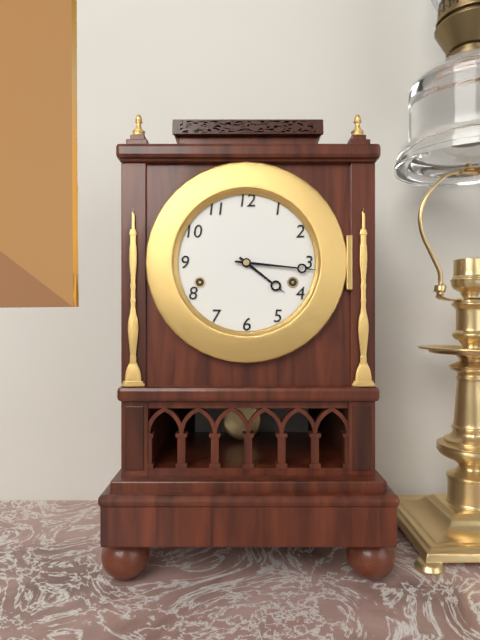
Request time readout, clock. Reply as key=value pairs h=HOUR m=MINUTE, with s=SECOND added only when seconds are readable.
h=4 m=16
